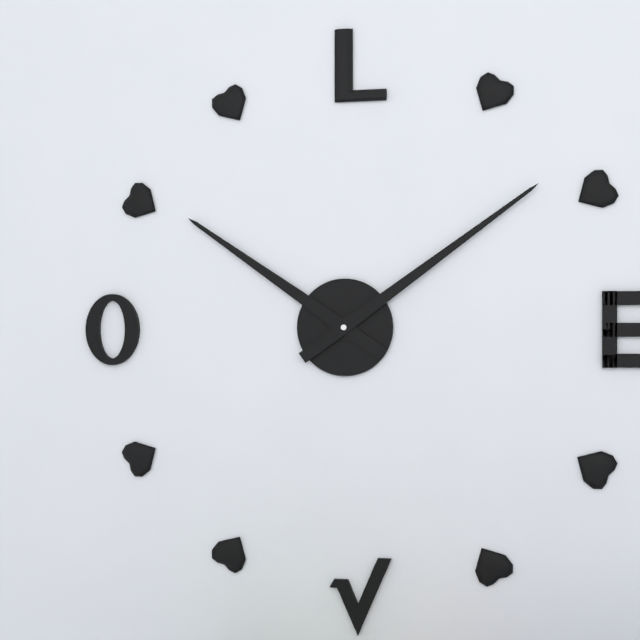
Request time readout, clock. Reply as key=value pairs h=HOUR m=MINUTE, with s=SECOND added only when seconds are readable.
h=10 m=9
